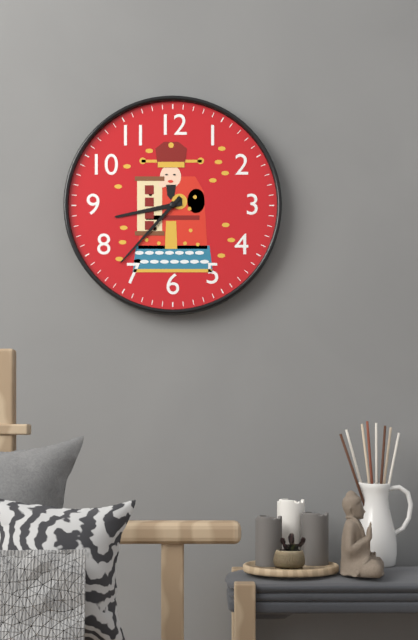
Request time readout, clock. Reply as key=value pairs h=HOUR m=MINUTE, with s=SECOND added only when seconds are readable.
h=8 m=37
